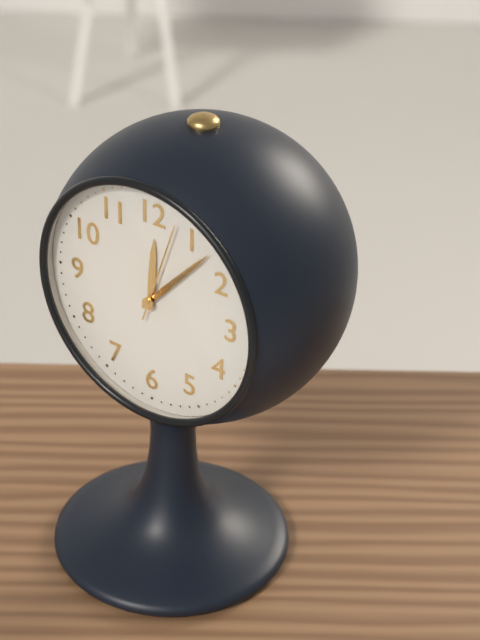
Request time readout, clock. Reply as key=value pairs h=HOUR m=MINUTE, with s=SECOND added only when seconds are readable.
h=12 m=7 s=3
